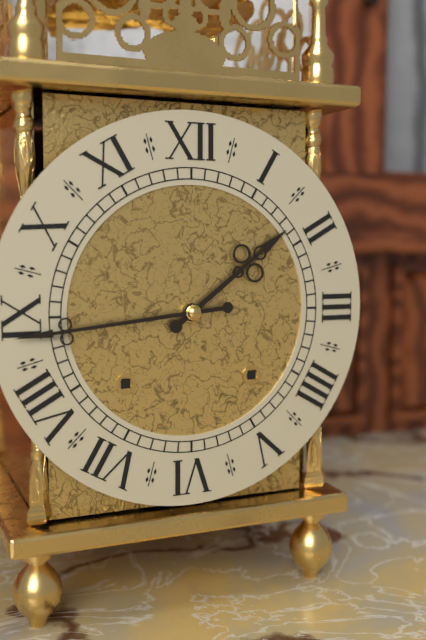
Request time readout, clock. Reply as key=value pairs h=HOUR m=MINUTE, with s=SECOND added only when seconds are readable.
h=1 m=44
